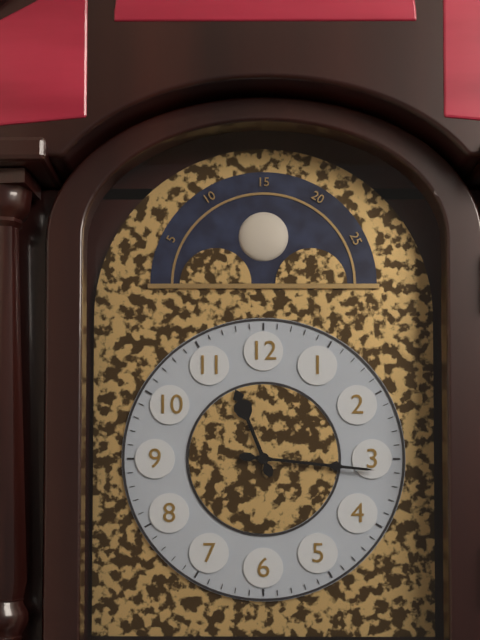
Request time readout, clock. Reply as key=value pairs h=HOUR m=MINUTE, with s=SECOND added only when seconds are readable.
h=11 m=16
